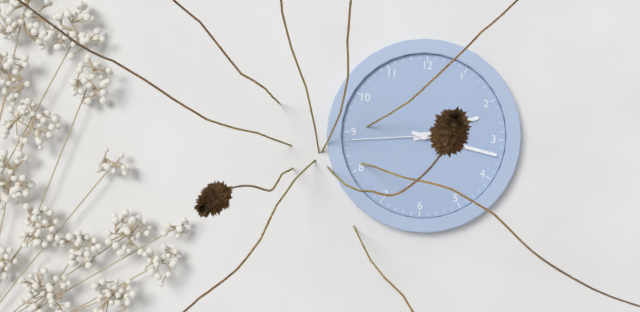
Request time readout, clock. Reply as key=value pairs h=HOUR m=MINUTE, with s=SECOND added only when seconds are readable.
h=2 m=17 s=44
